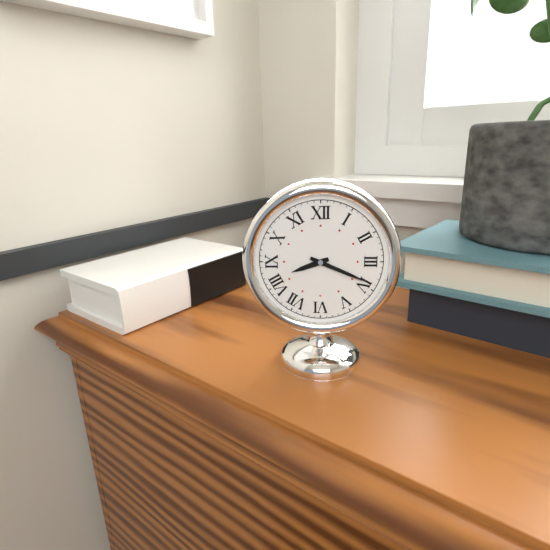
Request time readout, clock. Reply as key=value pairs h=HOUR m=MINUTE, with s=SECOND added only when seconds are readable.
h=8 m=19
